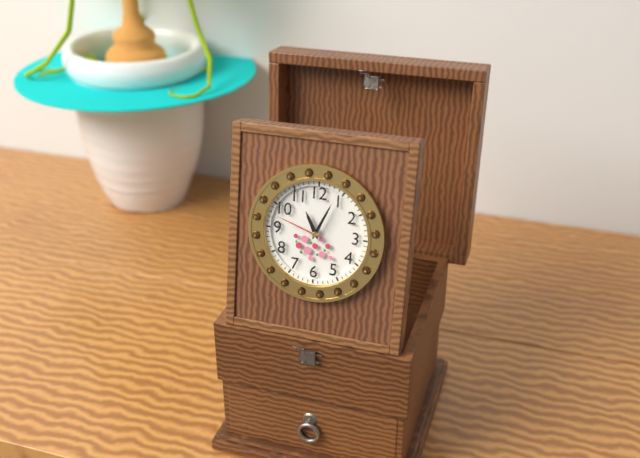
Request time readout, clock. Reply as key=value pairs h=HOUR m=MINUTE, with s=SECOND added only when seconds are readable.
h=11 m=4 s=48
